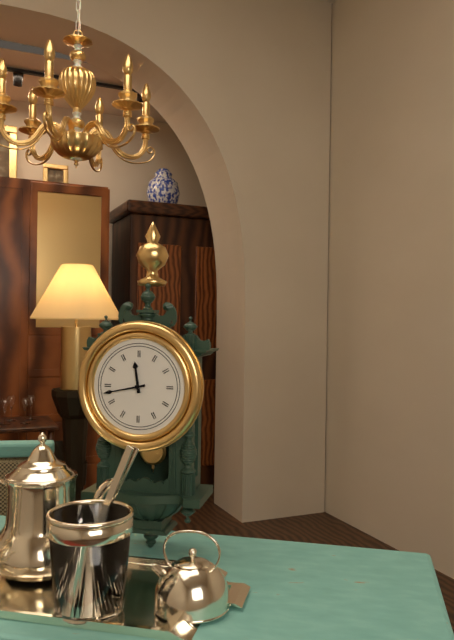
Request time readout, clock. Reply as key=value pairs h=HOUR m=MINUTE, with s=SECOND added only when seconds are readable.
h=11 m=43
